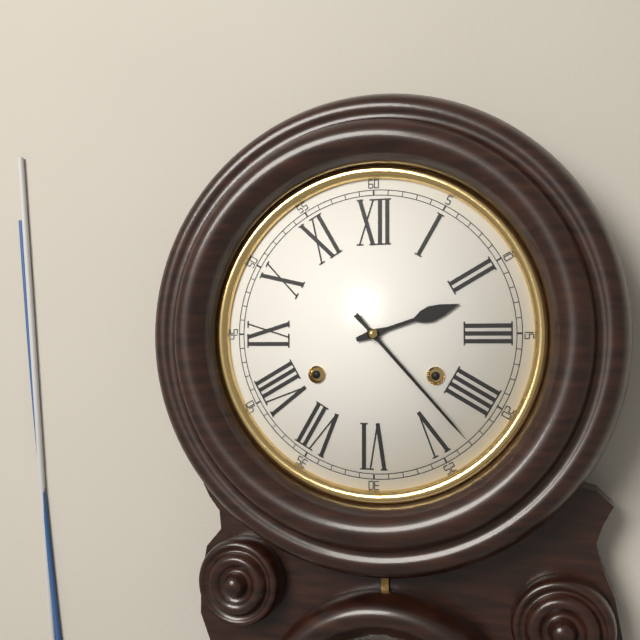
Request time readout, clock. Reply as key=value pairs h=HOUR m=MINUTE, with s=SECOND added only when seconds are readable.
h=2 m=23
